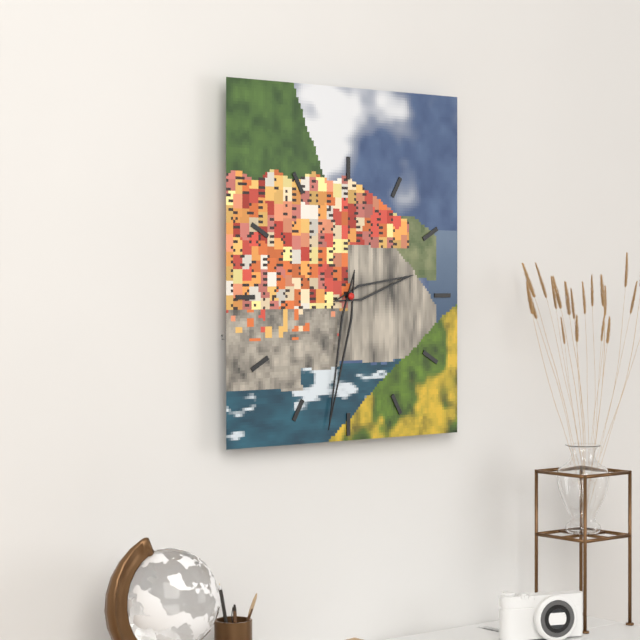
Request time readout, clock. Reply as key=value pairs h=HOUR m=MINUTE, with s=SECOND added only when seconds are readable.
h=2 m=32
